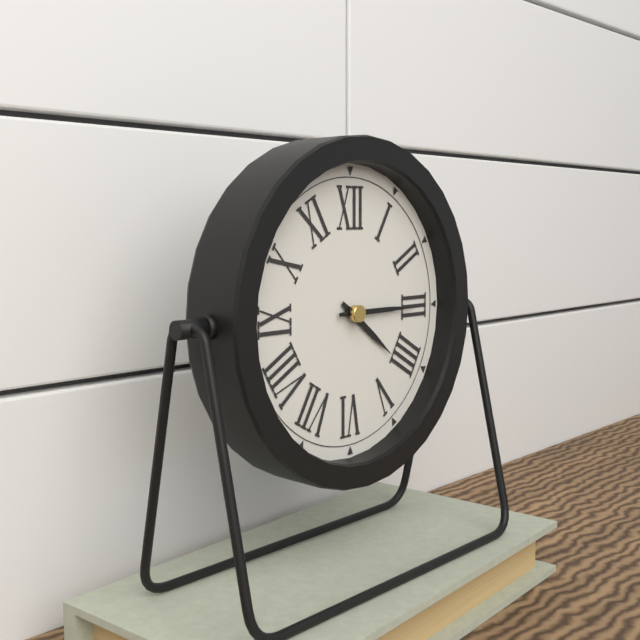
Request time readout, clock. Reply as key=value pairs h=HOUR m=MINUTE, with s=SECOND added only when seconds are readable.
h=4 m=15
